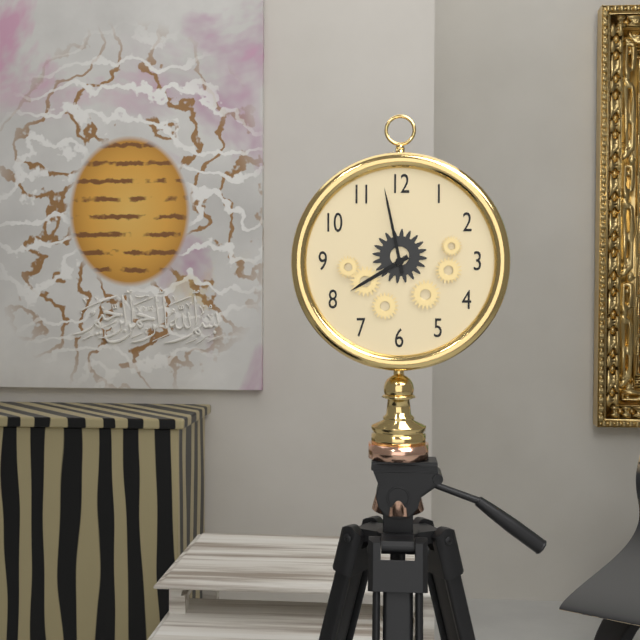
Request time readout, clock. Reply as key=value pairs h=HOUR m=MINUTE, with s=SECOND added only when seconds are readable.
h=7 m=58
